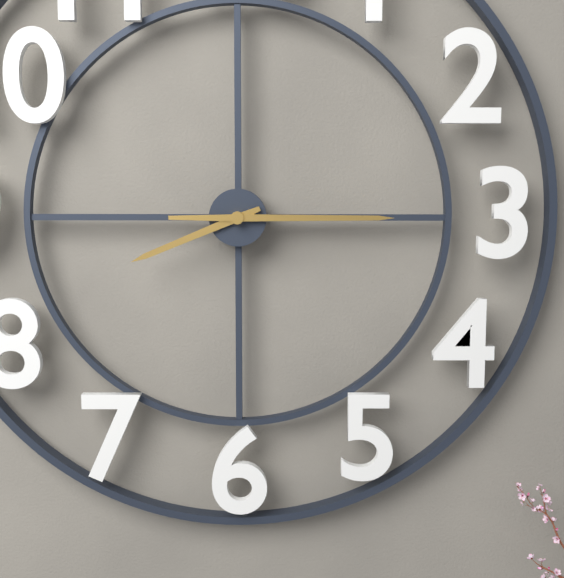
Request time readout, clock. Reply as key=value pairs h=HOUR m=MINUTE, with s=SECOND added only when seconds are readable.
h=8 m=15
